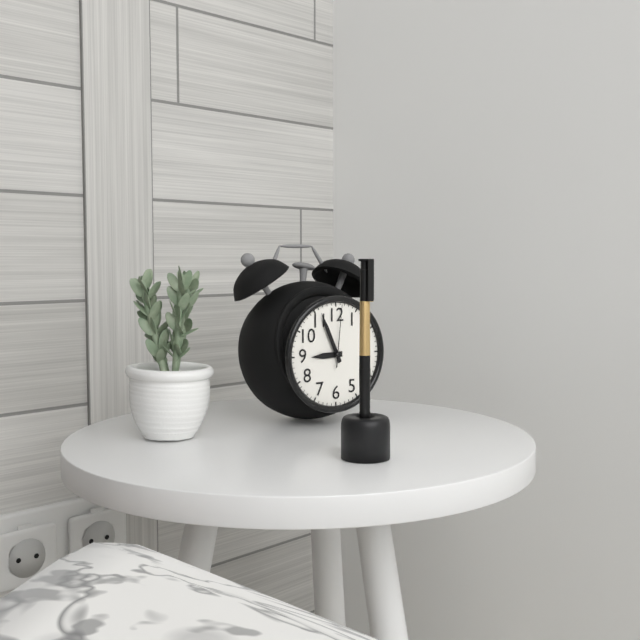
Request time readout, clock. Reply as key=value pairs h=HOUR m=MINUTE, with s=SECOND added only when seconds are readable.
h=8 m=56 s=1
